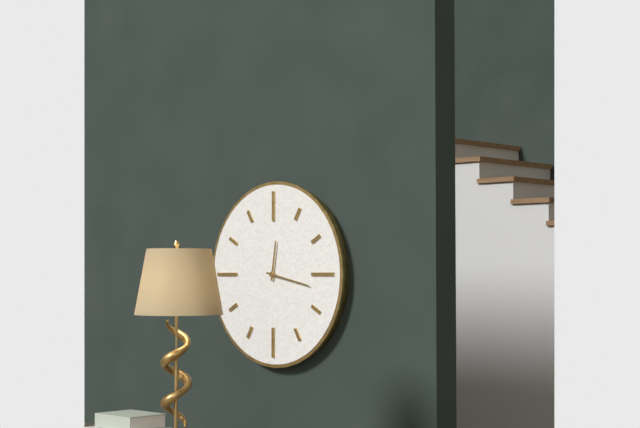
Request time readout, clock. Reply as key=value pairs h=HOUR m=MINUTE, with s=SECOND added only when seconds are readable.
h=12 m=17
